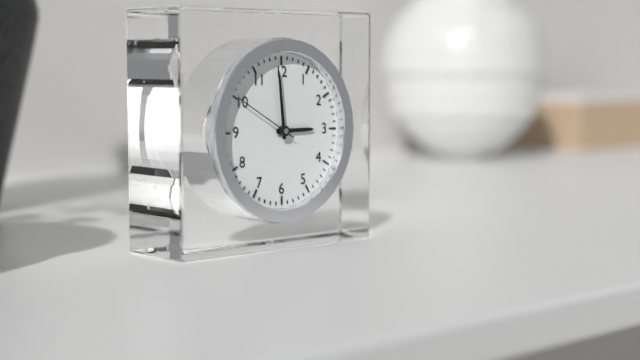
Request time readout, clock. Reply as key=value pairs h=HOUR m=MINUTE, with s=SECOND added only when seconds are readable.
h=2 m=59 s=50
